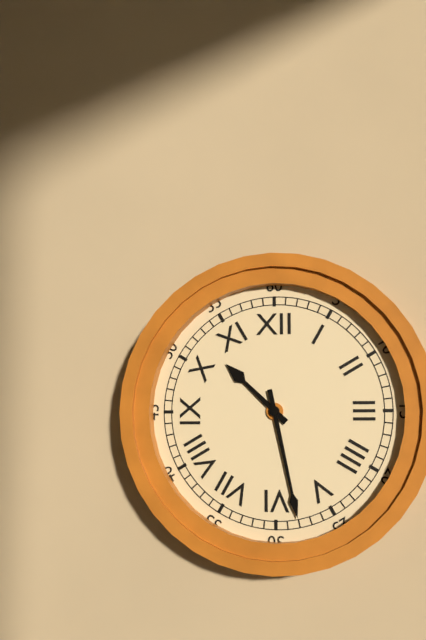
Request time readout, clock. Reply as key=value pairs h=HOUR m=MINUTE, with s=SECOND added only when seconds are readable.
h=10 m=28
